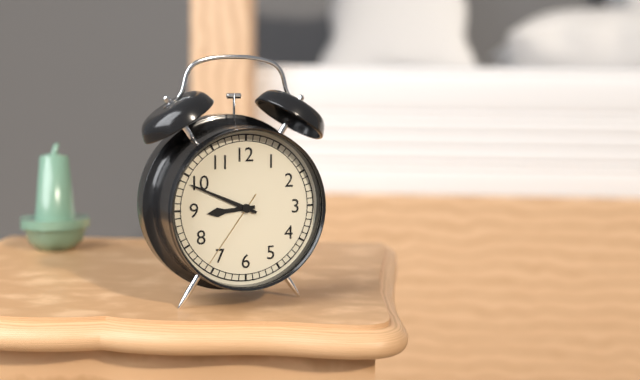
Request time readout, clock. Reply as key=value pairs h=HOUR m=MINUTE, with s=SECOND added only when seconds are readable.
h=8 m=49 s=36
